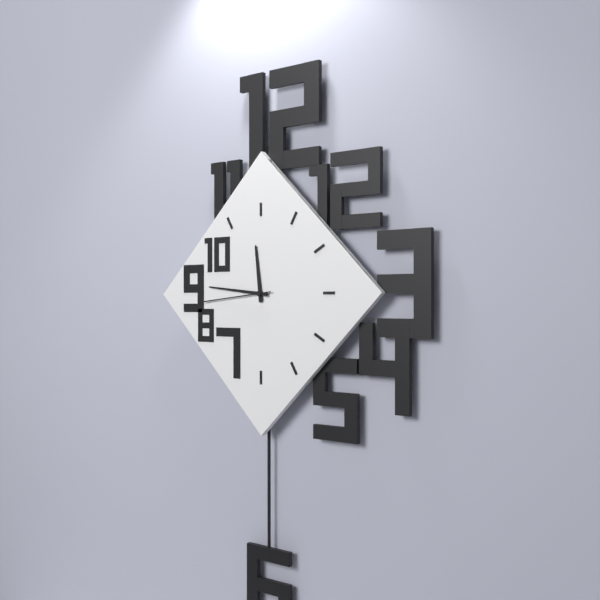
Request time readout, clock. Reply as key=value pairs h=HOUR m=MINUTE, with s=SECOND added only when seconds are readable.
h=11 m=46 s=44
